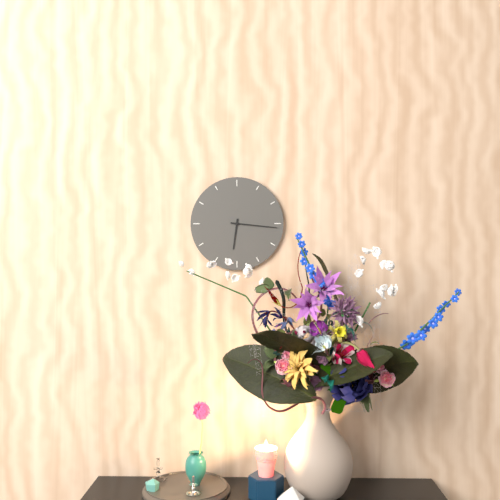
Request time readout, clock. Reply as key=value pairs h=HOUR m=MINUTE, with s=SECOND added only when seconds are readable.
h=6 m=16
